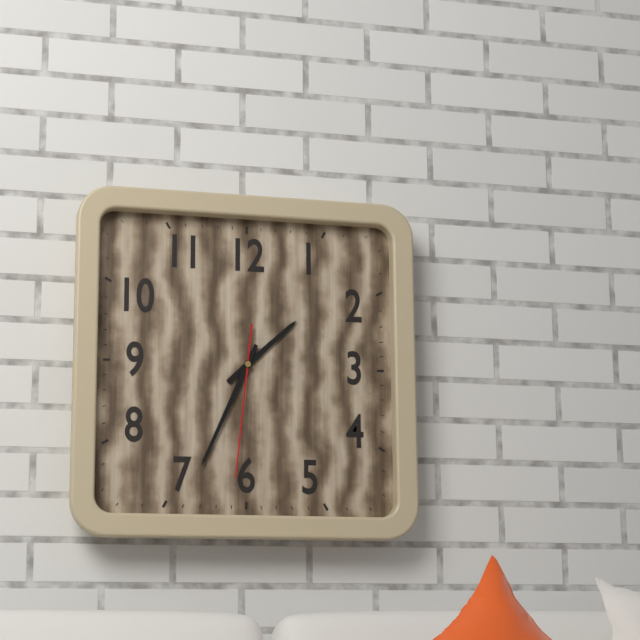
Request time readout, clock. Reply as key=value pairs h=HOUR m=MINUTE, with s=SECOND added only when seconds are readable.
h=1 m=34 s=31
